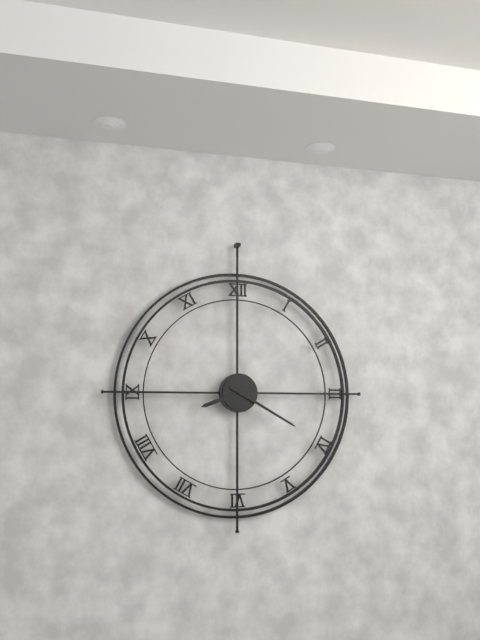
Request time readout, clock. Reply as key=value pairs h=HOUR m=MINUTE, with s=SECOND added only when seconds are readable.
h=8 m=20
